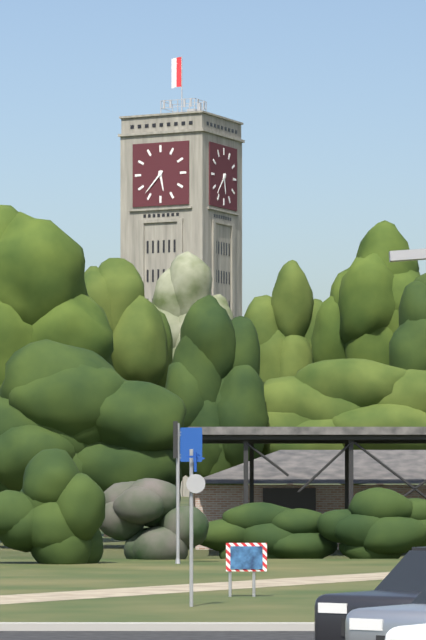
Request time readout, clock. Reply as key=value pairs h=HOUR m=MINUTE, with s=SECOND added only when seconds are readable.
h=5 m=37
